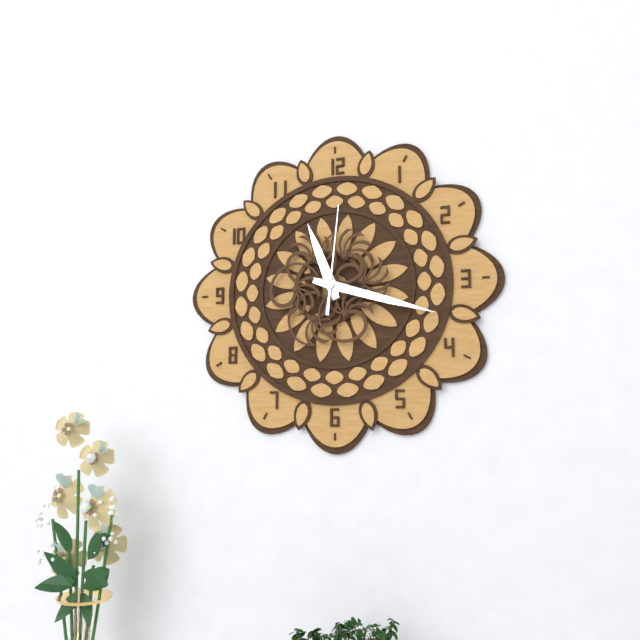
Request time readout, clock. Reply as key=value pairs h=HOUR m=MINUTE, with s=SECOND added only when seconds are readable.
h=11 m=18 s=1
